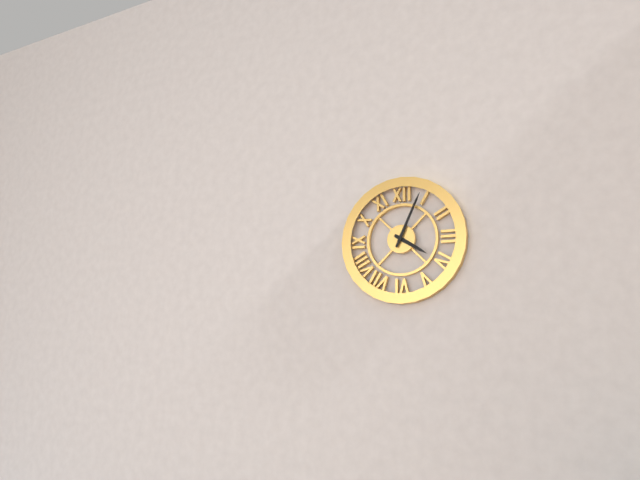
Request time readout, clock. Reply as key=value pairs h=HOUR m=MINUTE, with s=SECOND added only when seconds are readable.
h=4 m=4
